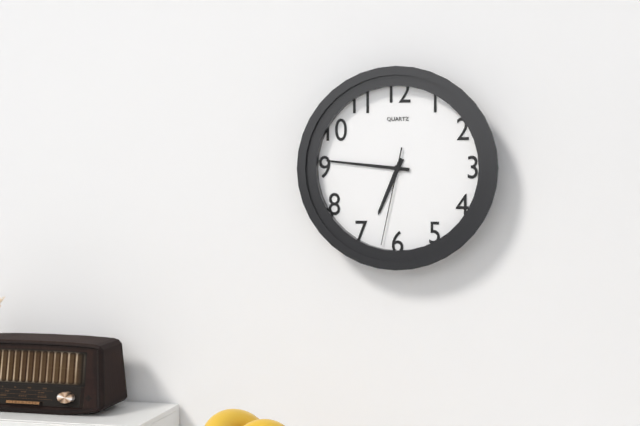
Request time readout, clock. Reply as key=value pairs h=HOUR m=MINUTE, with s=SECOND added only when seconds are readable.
h=6 m=46 s=32
